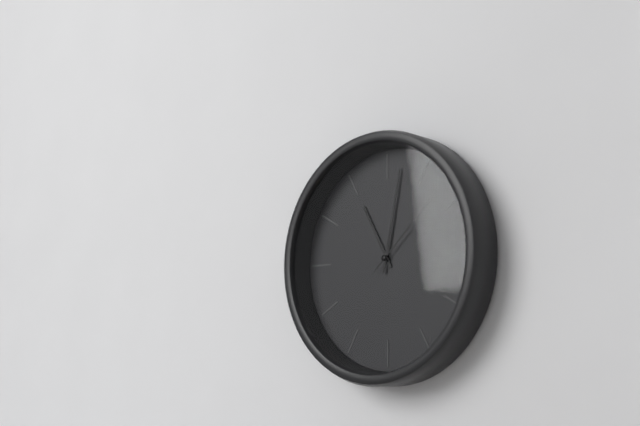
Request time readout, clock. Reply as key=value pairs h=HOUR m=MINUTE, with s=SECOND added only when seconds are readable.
h=11 m=2 s=8
